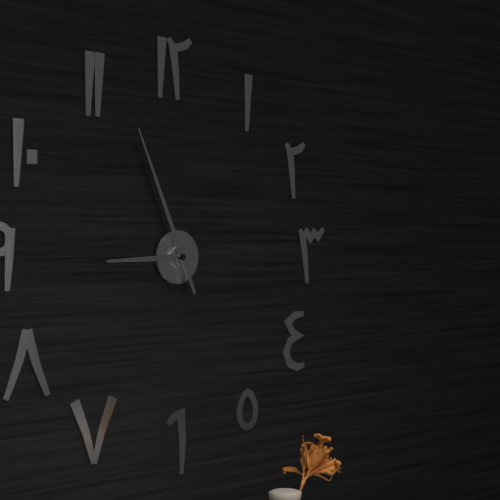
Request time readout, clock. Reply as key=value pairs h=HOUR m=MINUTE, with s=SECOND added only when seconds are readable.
h=8 m=56
